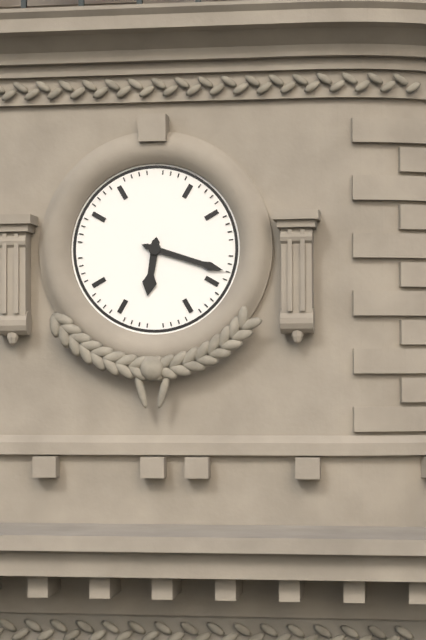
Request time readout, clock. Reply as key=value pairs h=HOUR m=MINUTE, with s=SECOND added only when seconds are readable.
h=6 m=18
